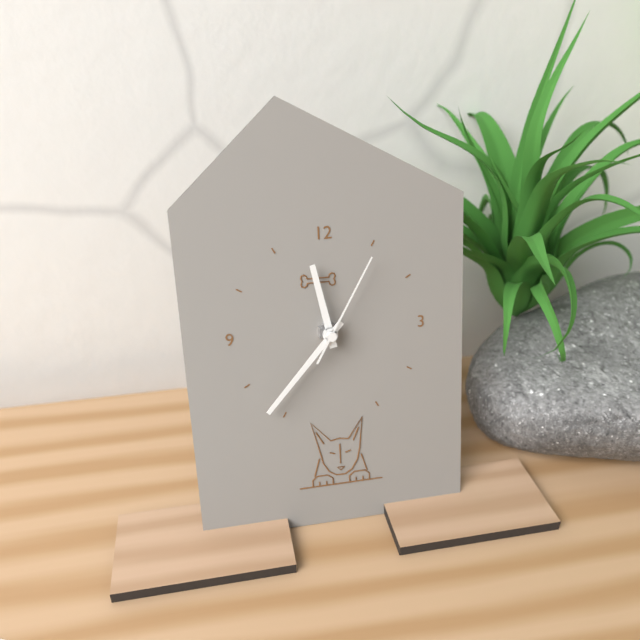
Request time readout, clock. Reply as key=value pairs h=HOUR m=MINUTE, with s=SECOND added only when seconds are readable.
h=11 m=37 s=5
